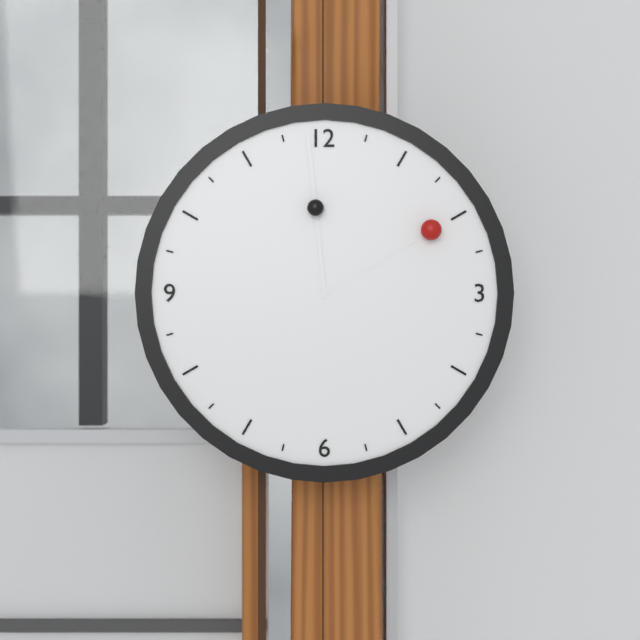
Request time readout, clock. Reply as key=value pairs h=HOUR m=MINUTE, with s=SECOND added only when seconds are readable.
h=1 m=59
